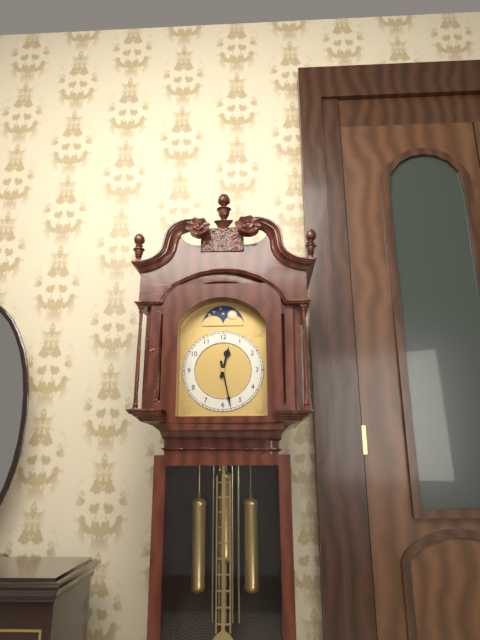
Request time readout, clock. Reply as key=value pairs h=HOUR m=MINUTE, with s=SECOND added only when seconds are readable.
h=12 m=28
